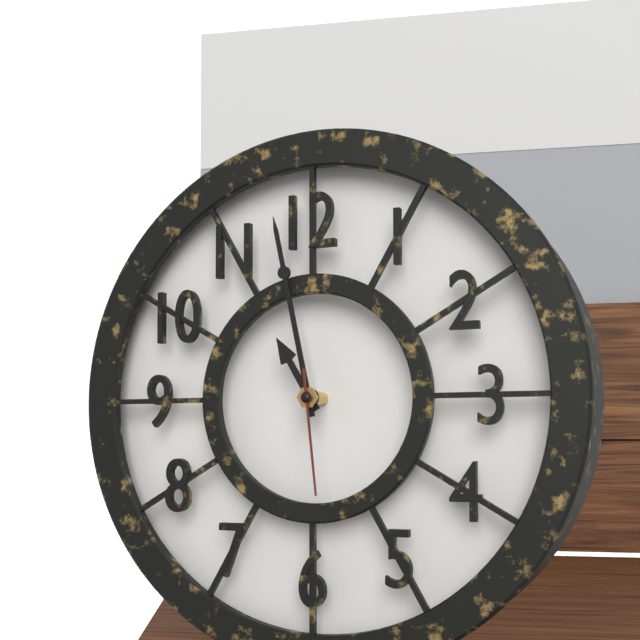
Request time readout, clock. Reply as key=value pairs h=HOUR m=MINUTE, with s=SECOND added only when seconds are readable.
h=10 m=58 s=29
